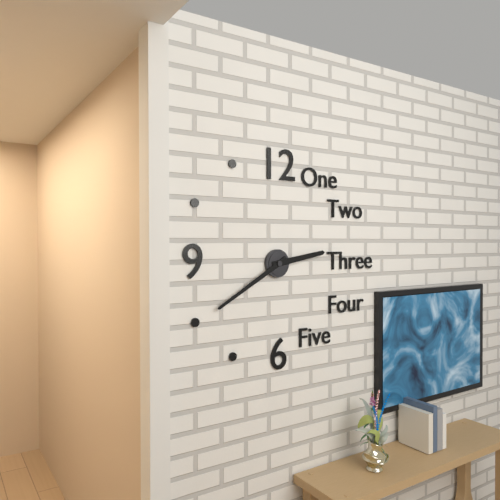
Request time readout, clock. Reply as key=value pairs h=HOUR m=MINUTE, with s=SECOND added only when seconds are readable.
h=2 m=40
